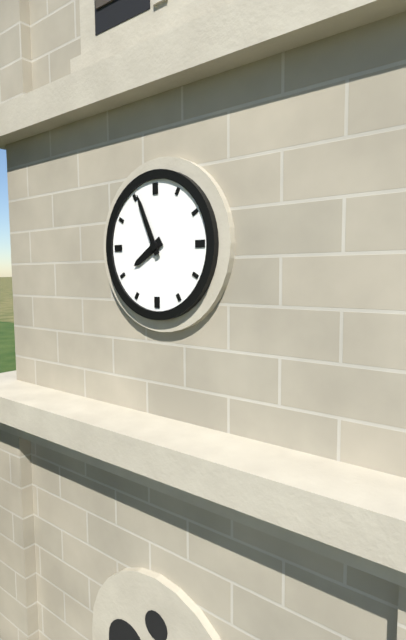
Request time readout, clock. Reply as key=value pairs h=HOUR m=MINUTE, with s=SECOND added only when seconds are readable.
h=7 m=56
